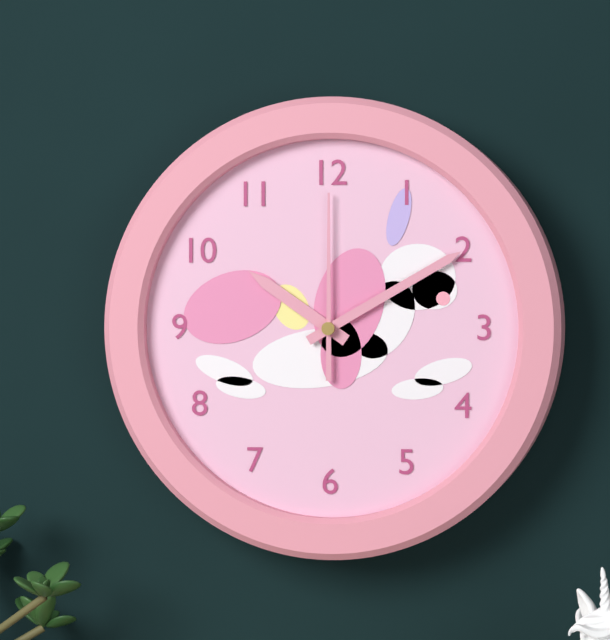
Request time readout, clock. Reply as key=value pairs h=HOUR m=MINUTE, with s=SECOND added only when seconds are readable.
h=10 m=10 s=0
